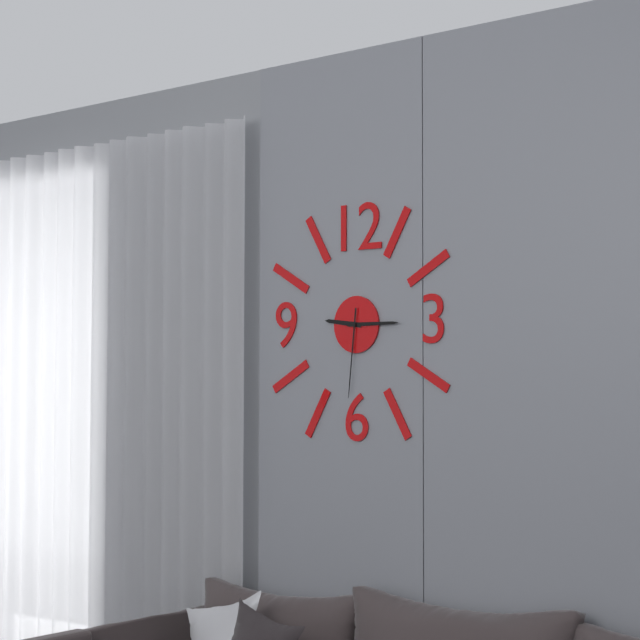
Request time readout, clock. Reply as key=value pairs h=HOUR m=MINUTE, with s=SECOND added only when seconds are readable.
h=9 m=15 s=31
